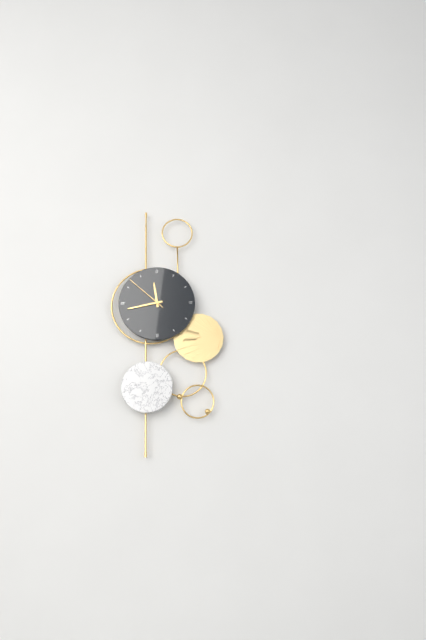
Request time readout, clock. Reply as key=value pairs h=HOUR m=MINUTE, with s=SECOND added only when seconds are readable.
h=11 m=43
